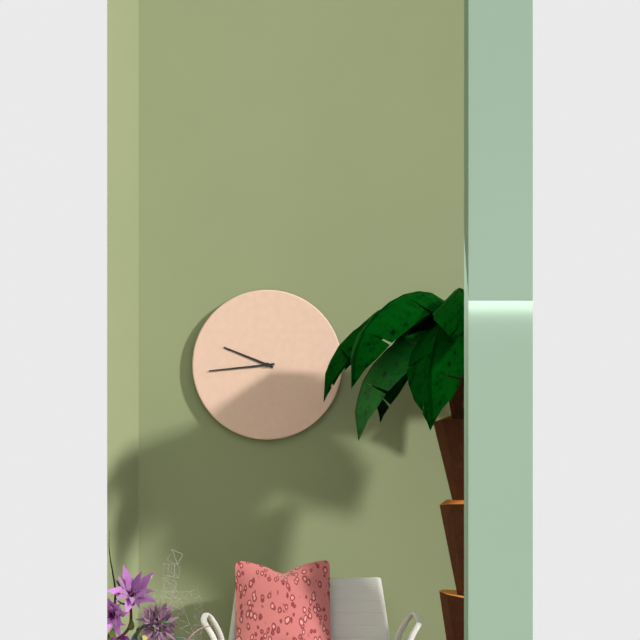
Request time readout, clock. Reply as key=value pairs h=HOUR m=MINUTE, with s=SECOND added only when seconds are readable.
h=9 m=44
